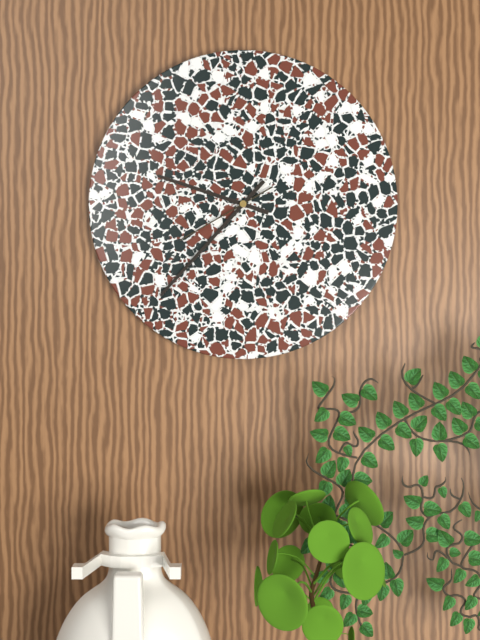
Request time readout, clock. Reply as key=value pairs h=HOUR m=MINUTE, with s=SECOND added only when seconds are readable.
h=9 m=37 s=40
